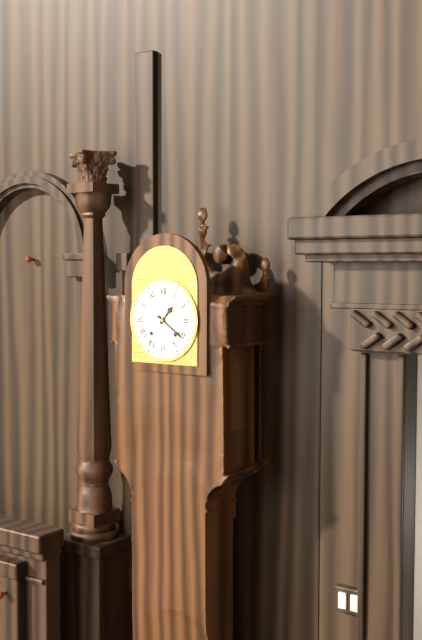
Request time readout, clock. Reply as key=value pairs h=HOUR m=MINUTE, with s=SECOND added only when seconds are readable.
h=1 m=21
